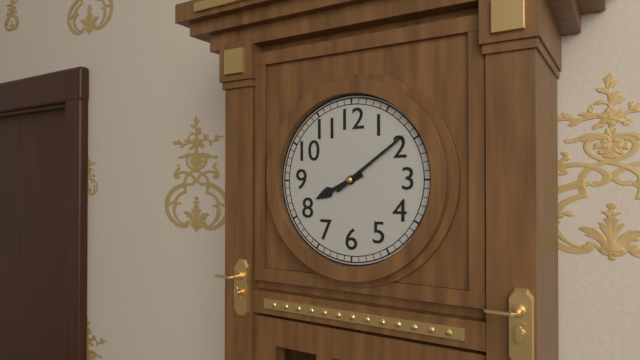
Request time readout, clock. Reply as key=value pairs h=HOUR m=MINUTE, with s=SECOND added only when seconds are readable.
h=8 m=9
